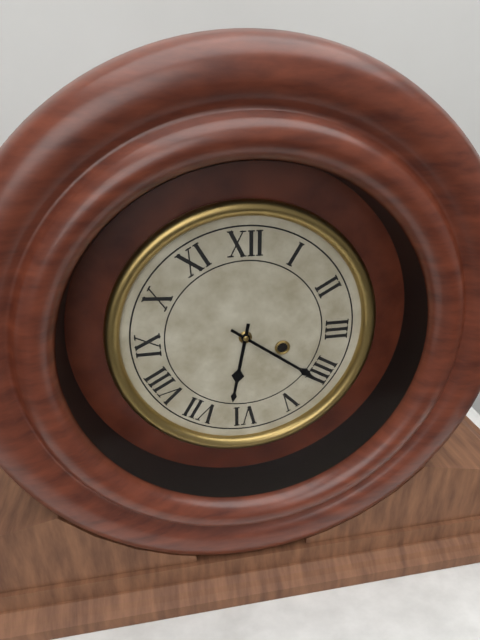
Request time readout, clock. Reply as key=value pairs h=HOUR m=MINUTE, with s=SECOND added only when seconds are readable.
h=6 m=21
